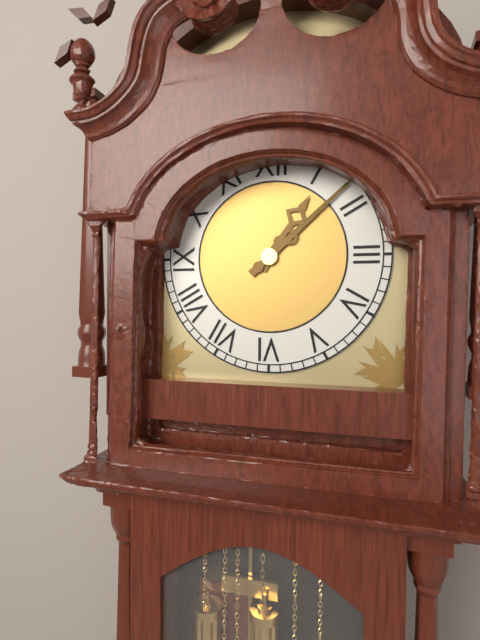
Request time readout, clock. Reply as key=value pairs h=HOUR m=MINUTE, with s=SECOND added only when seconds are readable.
h=1 m=8
